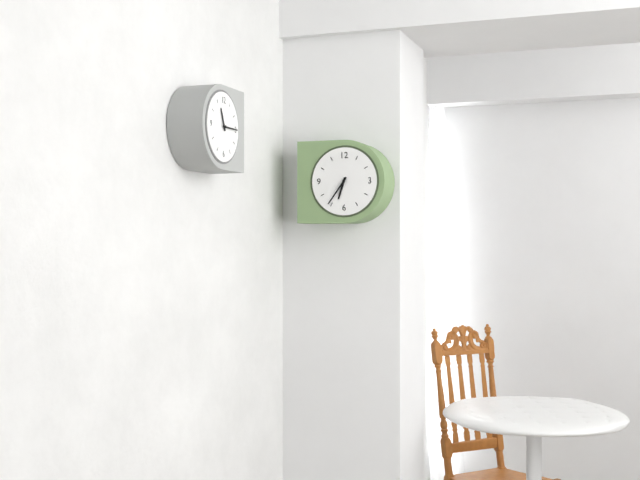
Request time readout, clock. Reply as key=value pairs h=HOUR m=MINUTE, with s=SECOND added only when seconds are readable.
h=6 m=36
